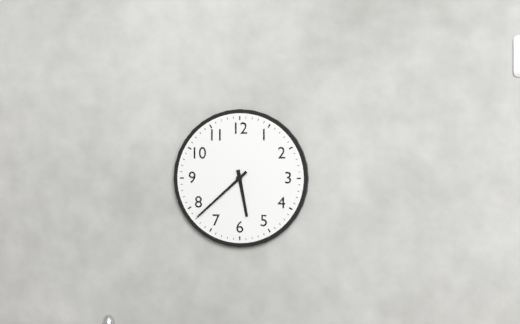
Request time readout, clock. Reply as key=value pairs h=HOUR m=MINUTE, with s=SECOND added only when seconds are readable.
h=5 m=38
